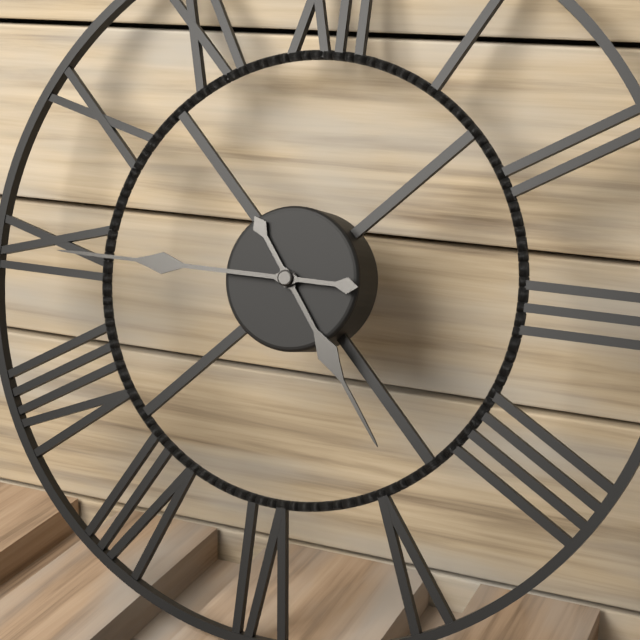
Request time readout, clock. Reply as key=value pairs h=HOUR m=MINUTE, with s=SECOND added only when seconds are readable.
h=4 m=45
